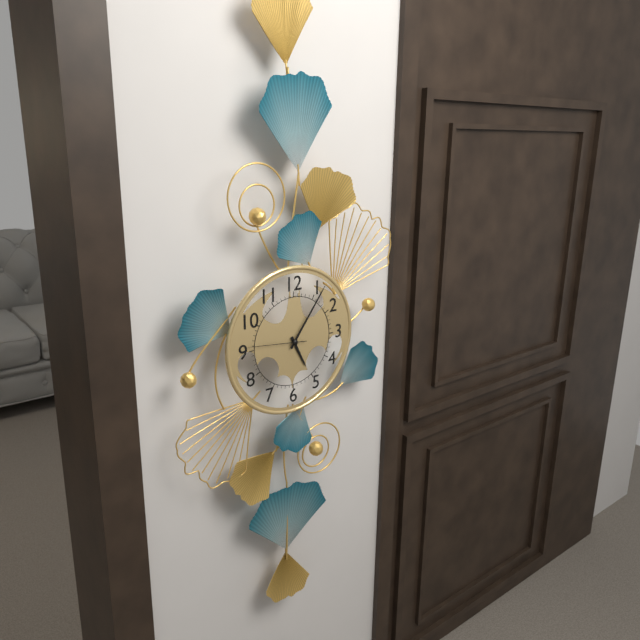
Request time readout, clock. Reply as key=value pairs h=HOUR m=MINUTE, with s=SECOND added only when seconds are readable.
h=5 m=6 s=46
